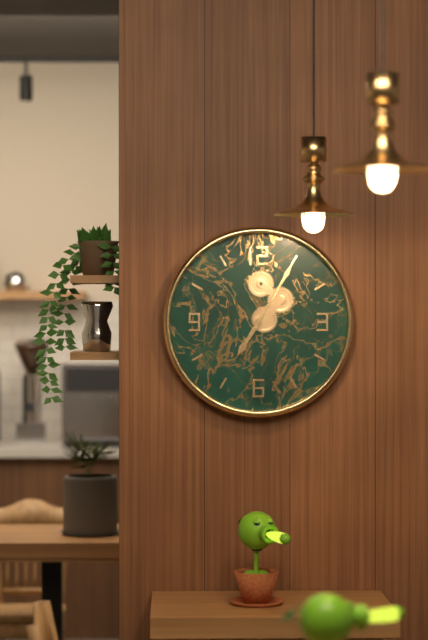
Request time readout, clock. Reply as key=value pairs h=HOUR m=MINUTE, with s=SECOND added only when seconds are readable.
h=7 m=5
